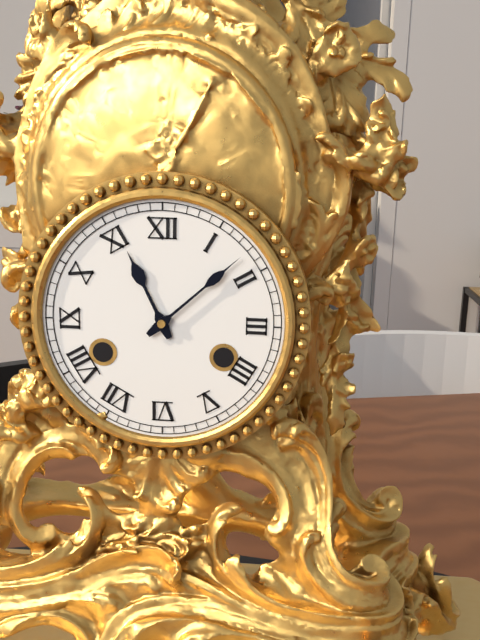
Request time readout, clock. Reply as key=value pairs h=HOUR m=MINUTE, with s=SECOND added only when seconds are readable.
h=11 m=8
